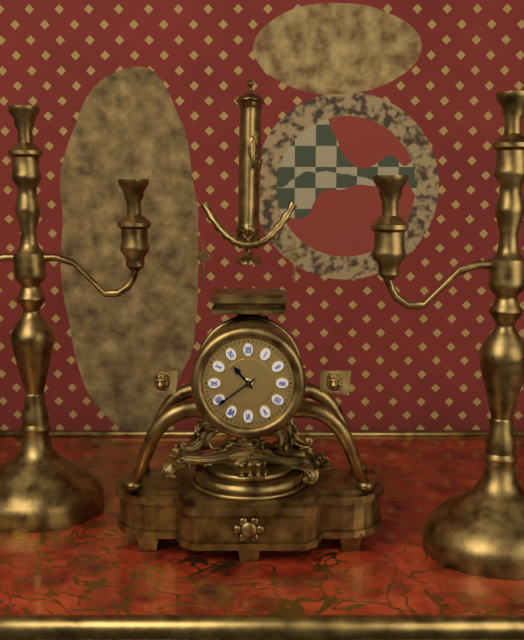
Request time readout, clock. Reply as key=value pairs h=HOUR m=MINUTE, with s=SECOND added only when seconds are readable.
h=10 m=39
